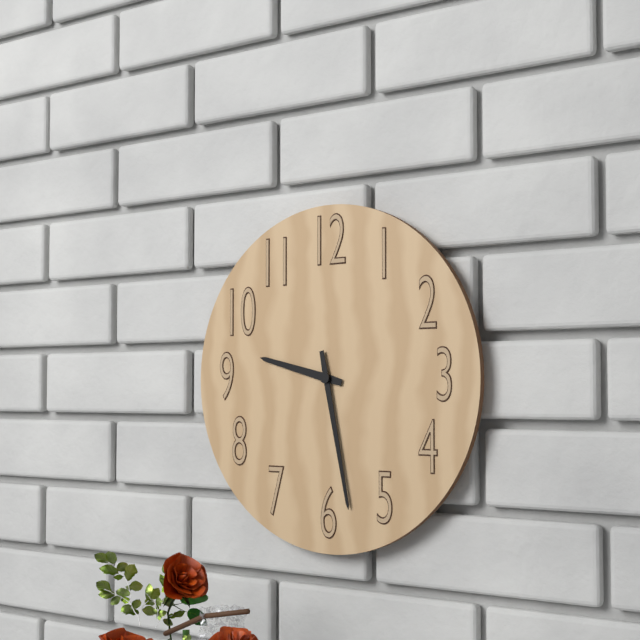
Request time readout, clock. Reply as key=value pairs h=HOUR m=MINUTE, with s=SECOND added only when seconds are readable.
h=9 m=28
